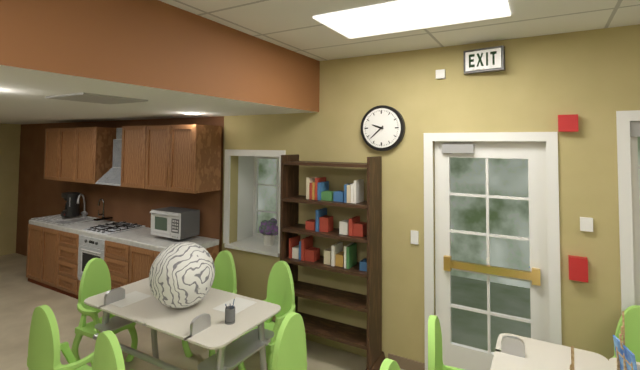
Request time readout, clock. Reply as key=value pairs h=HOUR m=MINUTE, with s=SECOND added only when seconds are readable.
h=9 m=38
